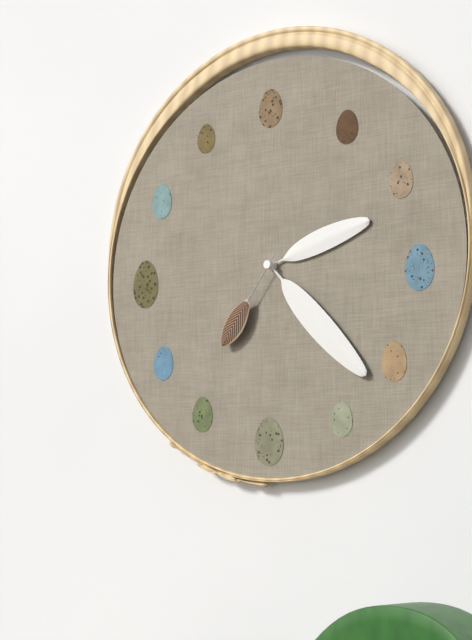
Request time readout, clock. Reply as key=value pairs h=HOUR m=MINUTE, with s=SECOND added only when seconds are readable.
h=2 m=23 s=36
